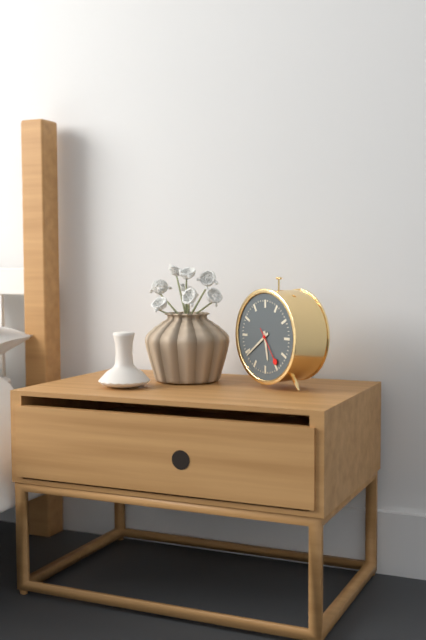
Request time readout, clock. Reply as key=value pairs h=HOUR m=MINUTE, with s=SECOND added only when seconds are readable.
h=5 m=39
